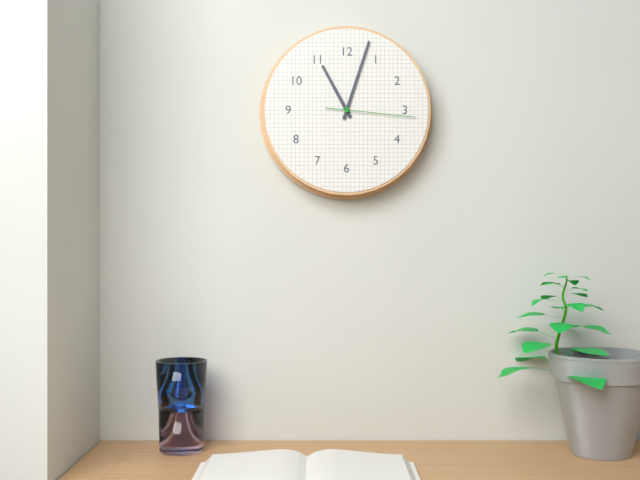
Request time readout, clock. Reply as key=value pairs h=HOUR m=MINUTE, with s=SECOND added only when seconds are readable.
h=11 m=3 s=16
